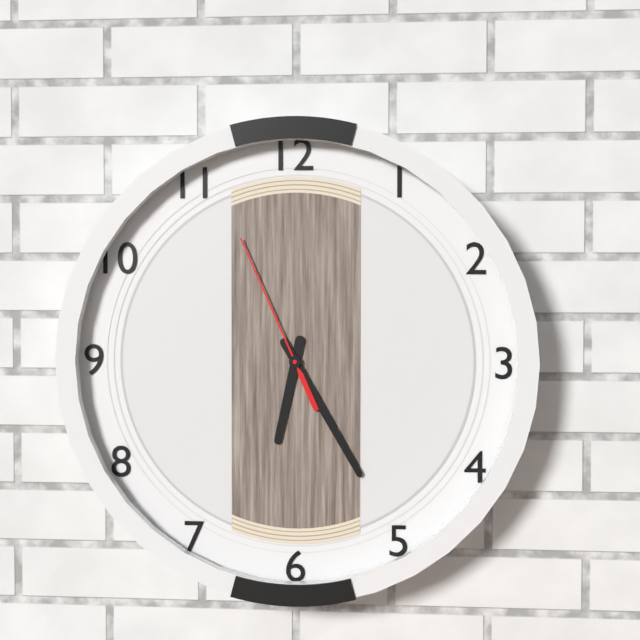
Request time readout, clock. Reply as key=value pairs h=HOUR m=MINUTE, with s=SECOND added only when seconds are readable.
h=6 m=25 s=56
